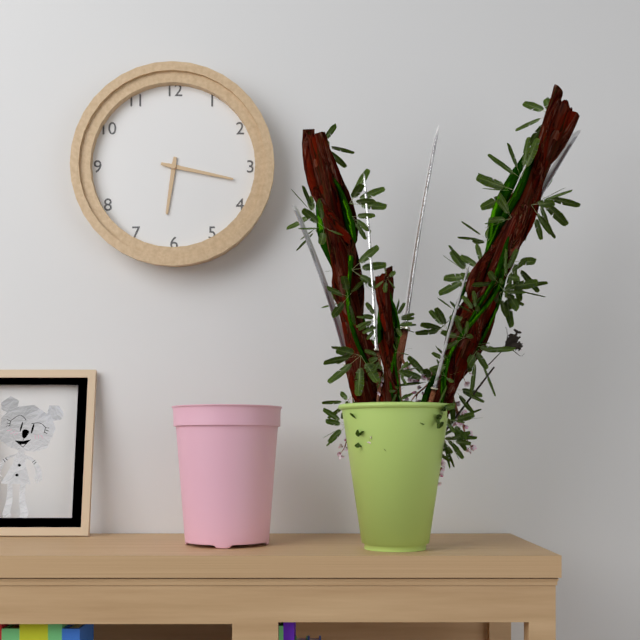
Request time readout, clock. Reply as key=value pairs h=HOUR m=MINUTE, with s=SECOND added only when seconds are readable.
h=6 m=17
